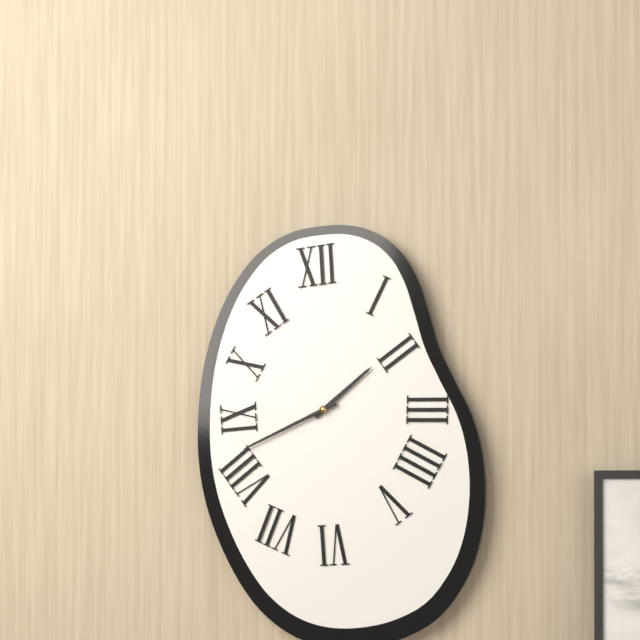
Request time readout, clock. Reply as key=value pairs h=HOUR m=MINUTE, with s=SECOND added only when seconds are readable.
h=1 m=41
